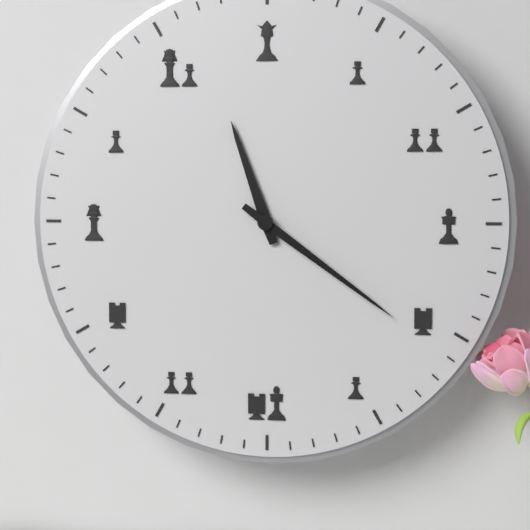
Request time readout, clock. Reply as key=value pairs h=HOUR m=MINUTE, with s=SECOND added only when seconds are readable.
h=11 m=21
